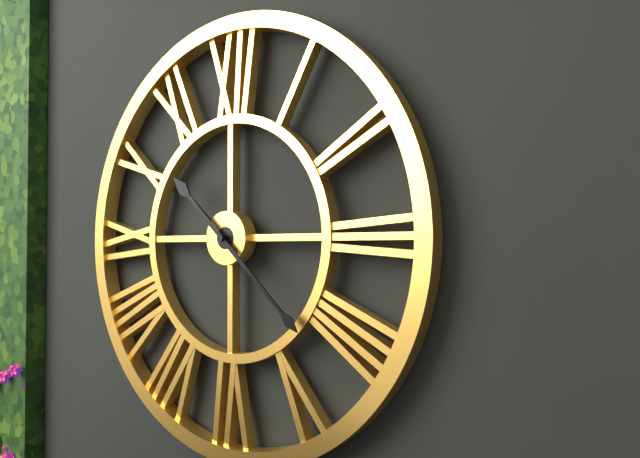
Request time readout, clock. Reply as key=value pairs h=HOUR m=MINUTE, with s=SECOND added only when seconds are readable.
h=10 m=22
